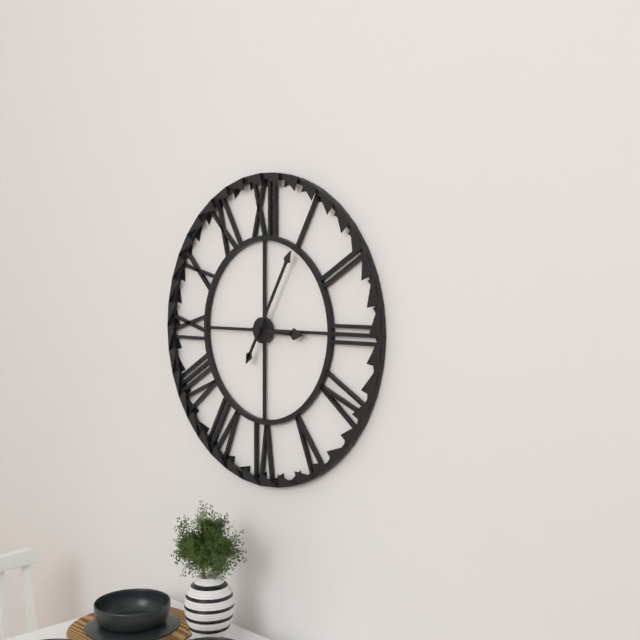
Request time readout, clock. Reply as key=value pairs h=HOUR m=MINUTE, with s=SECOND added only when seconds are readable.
h=3 m=5
